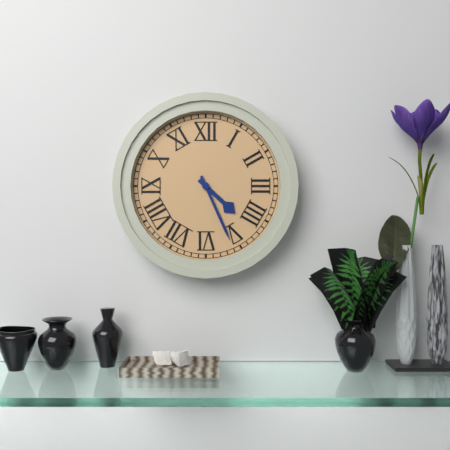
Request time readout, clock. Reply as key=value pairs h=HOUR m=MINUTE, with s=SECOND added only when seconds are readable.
h=4 m=26
